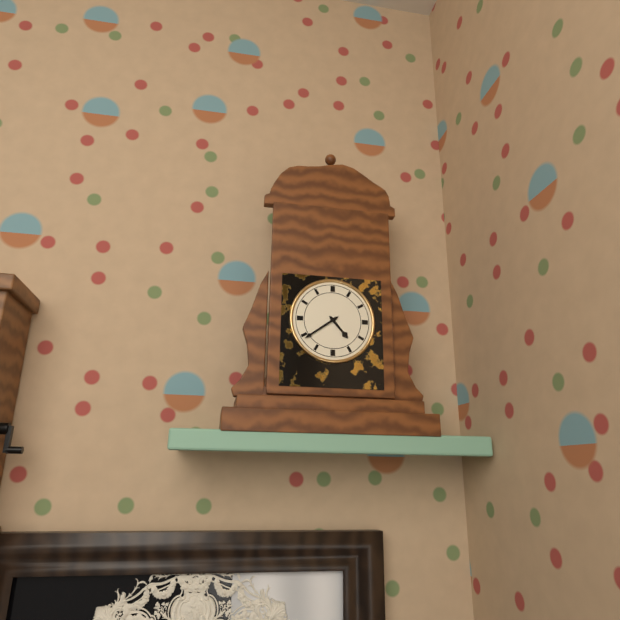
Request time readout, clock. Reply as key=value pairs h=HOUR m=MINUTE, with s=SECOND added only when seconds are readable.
h=4 m=39
